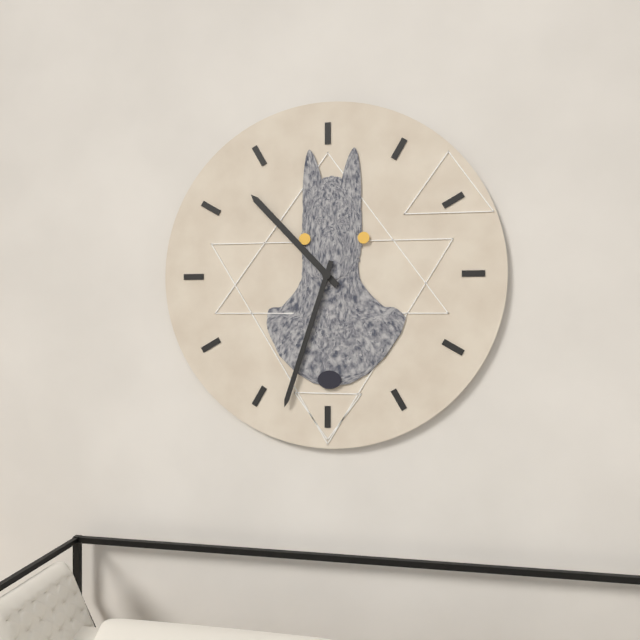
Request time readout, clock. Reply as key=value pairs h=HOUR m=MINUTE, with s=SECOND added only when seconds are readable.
h=10 m=33
